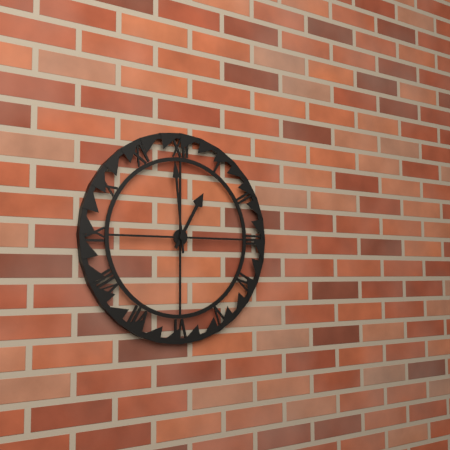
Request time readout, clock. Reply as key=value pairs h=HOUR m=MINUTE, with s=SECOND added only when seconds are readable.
h=12 m=59
